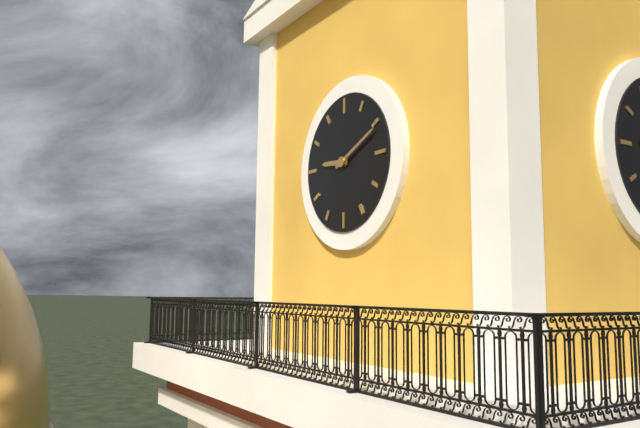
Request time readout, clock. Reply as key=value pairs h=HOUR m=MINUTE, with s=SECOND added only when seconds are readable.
h=9 m=11
